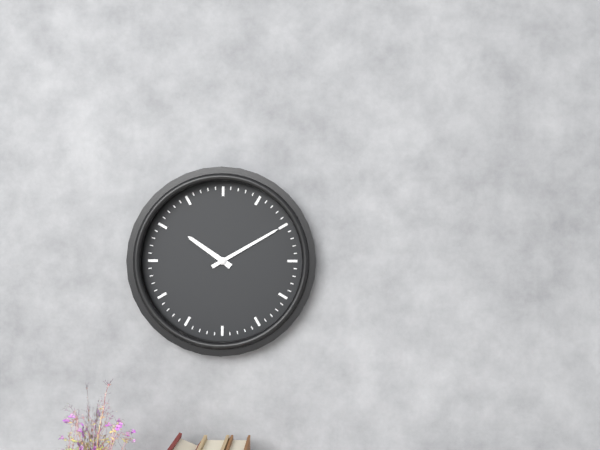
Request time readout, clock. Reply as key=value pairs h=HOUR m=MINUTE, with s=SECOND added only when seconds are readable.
h=10 m=10
